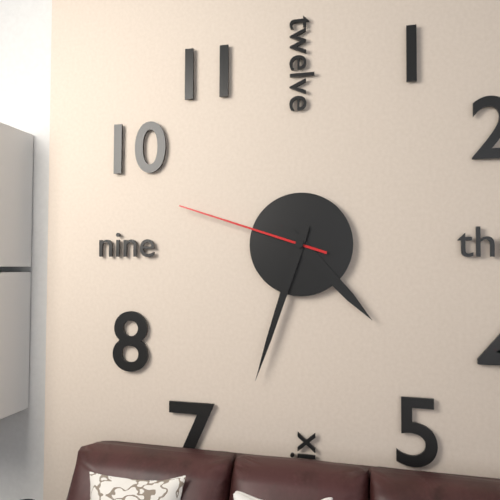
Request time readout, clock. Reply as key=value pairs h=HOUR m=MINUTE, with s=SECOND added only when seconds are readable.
h=4 m=33 s=48
